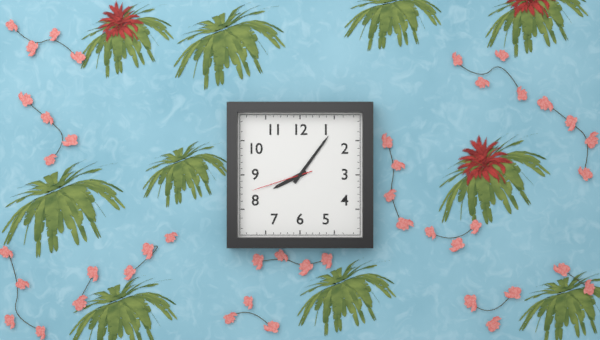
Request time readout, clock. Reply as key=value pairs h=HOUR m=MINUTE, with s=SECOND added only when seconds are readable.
h=8 m=6 s=42
